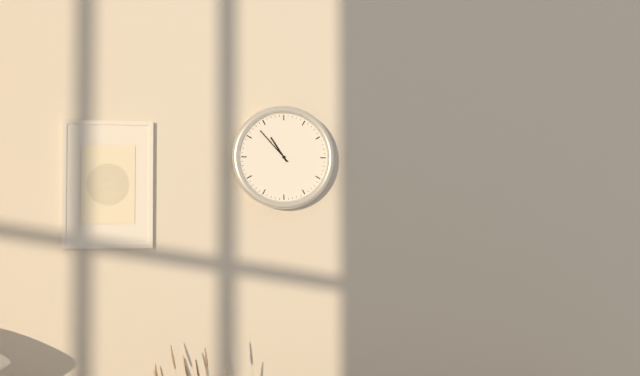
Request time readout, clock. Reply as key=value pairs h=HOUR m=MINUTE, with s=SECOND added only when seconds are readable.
h=10 m=53
